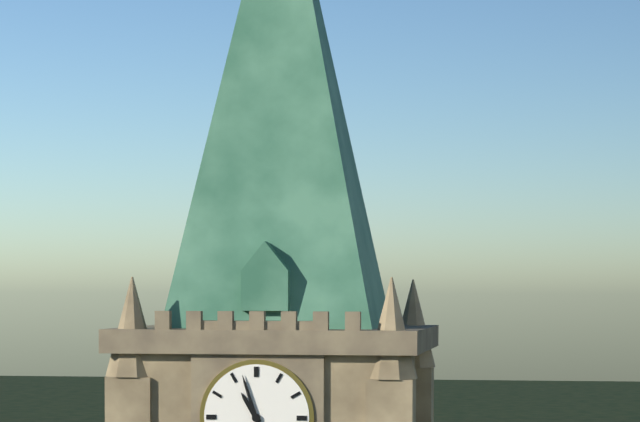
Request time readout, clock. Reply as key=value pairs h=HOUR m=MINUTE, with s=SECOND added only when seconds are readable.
h=10 m=57
